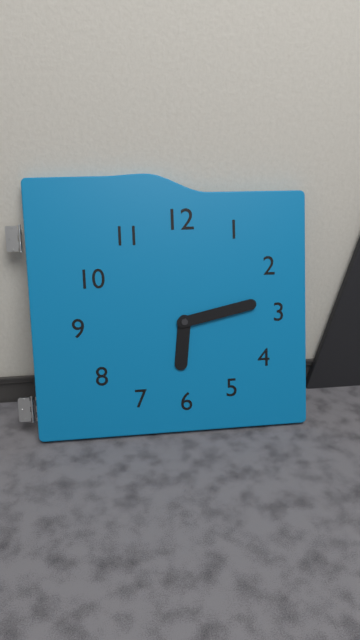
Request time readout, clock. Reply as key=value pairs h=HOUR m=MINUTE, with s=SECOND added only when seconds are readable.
h=6 m=13
